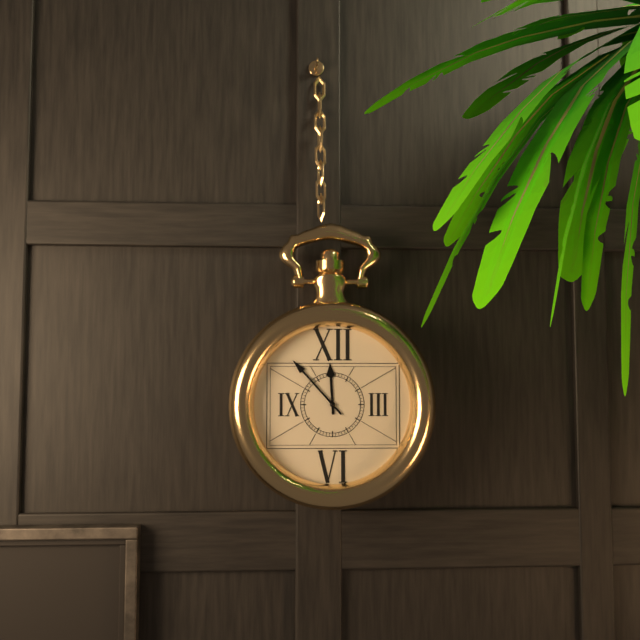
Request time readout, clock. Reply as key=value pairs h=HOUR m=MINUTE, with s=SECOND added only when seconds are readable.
h=11 m=53
